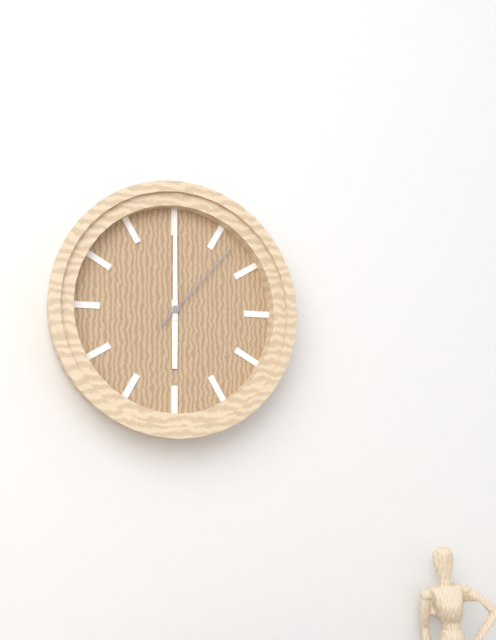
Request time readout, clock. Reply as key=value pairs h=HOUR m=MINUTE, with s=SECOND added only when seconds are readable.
h=6 m=0 s=7
